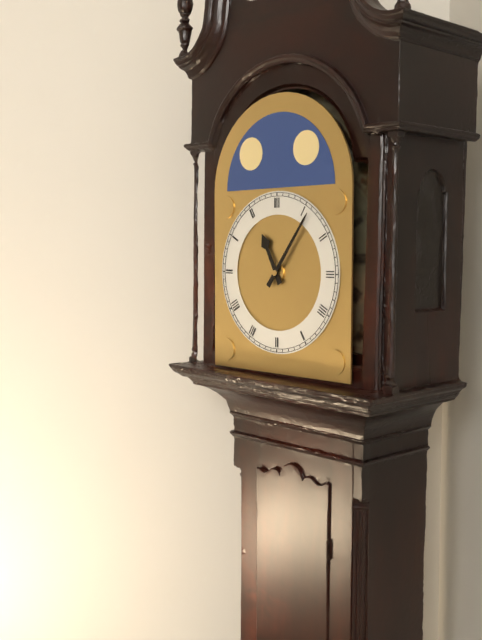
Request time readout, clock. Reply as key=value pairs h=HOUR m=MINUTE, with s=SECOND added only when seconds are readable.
h=11 m=6
